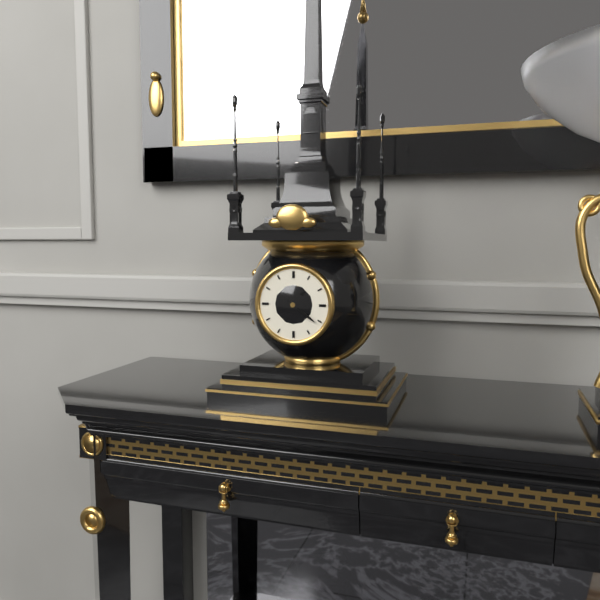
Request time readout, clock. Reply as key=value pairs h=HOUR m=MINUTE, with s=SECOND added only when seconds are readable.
h=1 m=21
